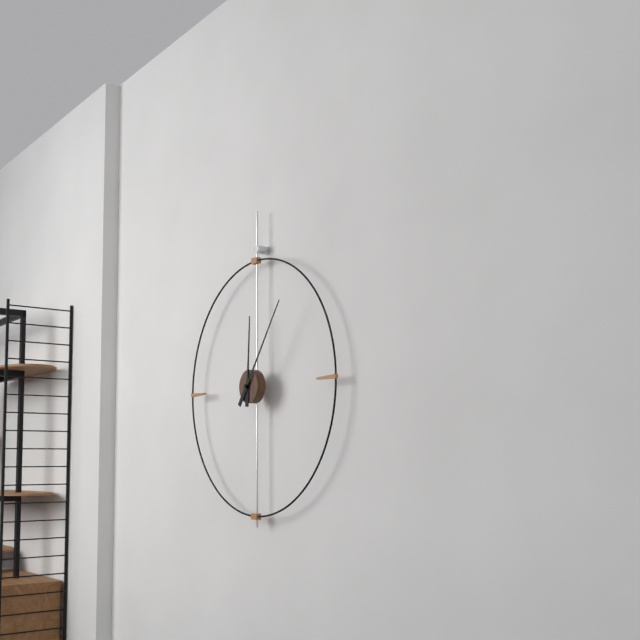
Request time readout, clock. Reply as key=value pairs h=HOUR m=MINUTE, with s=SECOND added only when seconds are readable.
h=12 m=6
